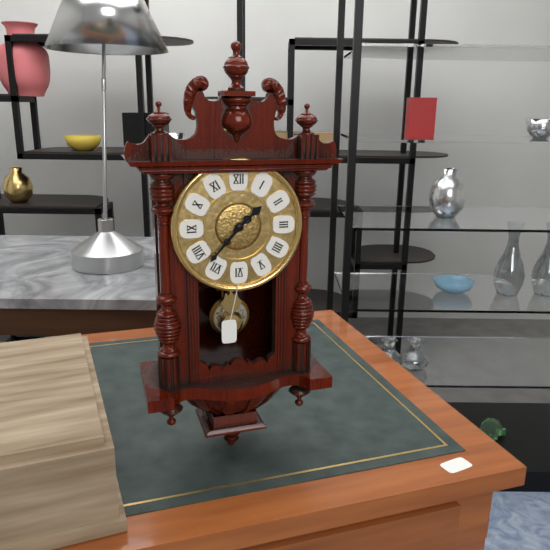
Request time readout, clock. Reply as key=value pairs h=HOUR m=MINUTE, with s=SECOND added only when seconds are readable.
h=1 m=37
